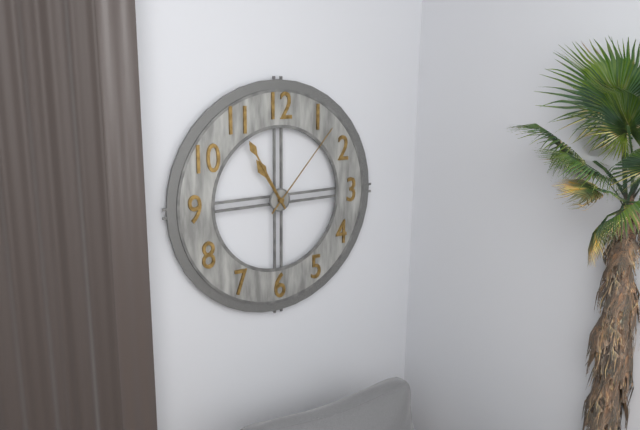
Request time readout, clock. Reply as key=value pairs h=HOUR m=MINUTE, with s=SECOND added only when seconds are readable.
h=10 m=55 s=7
